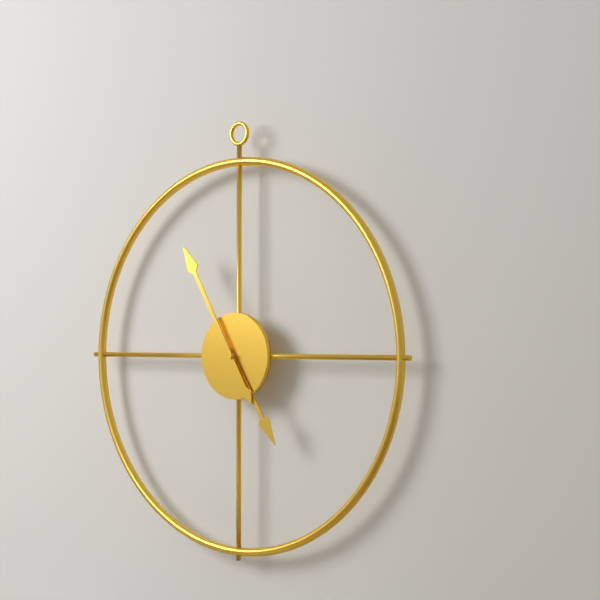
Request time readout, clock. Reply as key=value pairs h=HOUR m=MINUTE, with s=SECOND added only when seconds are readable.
h=4 m=55
